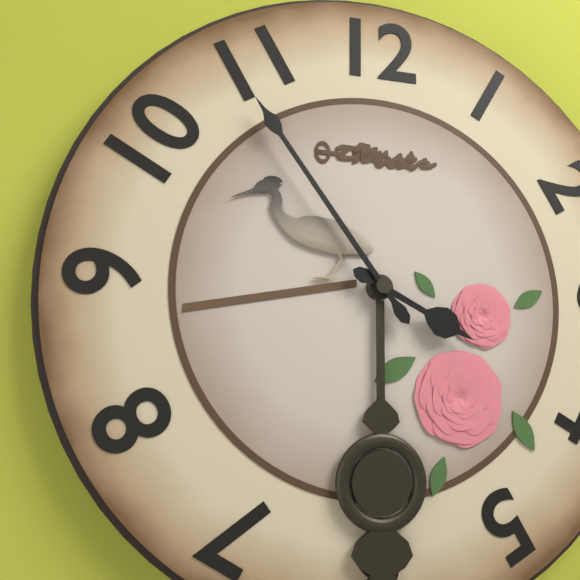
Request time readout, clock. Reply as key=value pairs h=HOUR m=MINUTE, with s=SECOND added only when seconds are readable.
h=3 m=54
